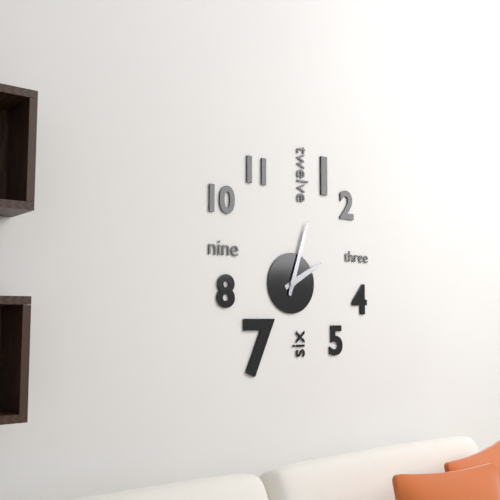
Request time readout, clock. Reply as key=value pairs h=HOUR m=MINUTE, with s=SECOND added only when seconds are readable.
h=2 m=3
